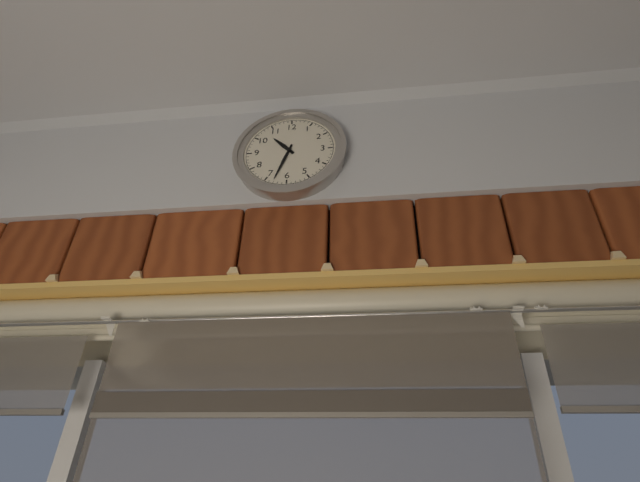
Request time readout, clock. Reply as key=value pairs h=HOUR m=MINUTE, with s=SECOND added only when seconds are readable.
h=10 m=33
